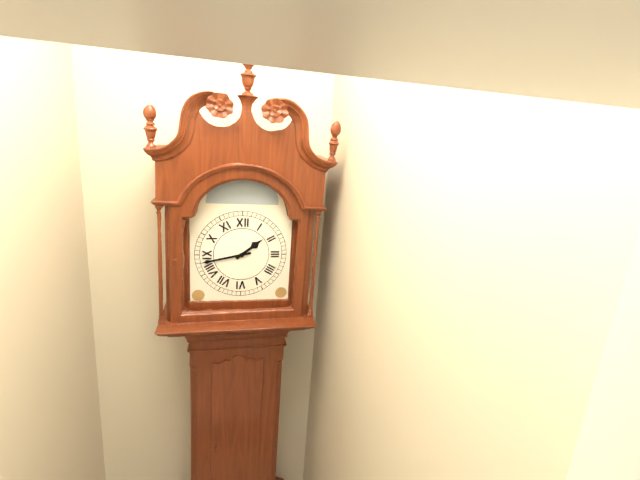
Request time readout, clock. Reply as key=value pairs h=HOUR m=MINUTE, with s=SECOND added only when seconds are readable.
h=1 m=43
